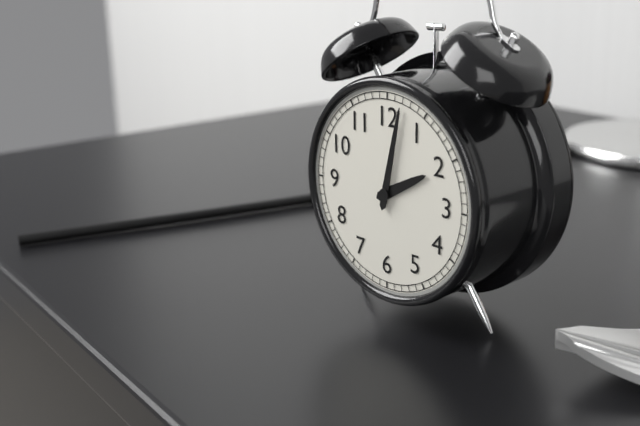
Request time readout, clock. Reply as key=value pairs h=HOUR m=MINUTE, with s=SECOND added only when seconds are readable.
h=2 m=2
